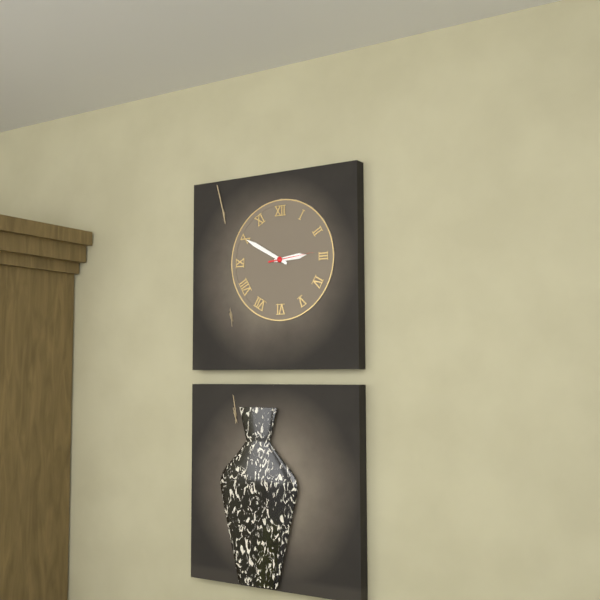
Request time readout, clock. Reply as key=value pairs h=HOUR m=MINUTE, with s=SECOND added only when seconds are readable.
h=2 m=50
